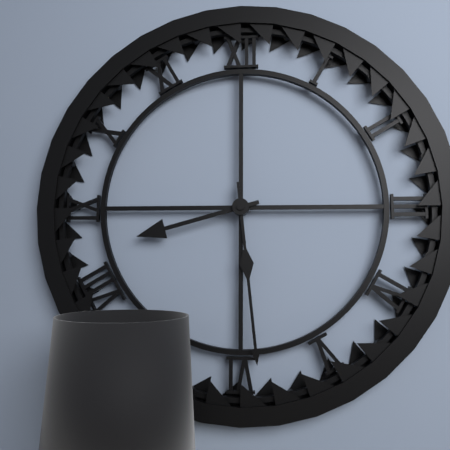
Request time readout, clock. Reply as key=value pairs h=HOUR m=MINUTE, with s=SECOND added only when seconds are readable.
h=8 m=29
